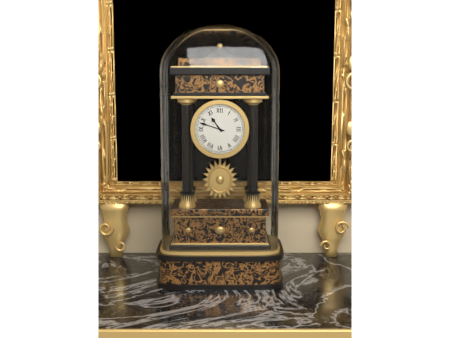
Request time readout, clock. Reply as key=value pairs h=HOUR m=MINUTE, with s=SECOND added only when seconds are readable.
h=10 m=48
